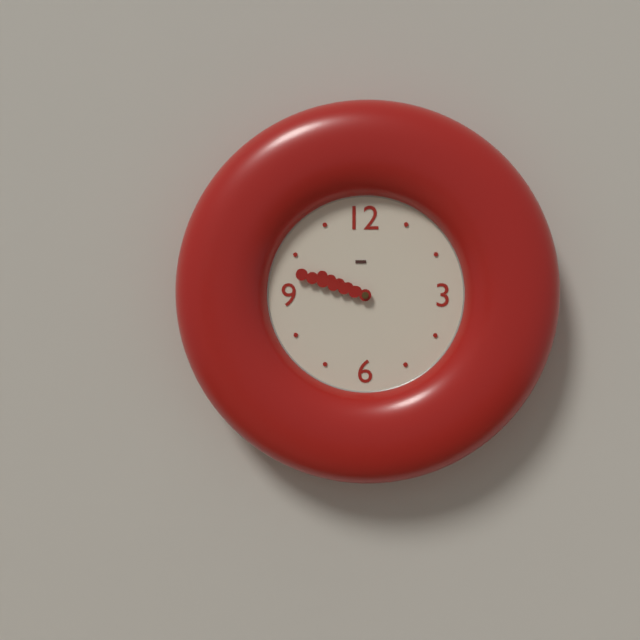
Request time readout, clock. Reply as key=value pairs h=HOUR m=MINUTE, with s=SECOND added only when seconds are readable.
h=9 m=48
